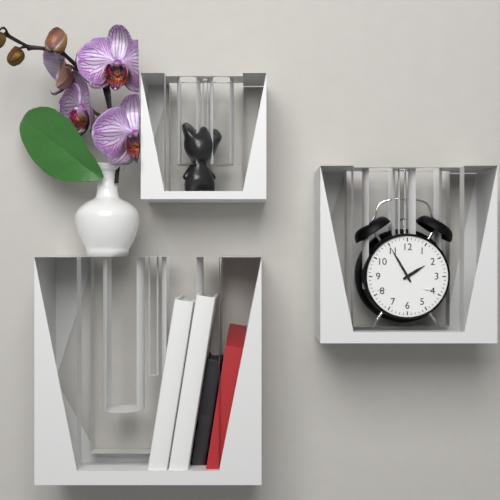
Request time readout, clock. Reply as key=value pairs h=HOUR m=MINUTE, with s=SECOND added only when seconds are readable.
h=1 m=55
